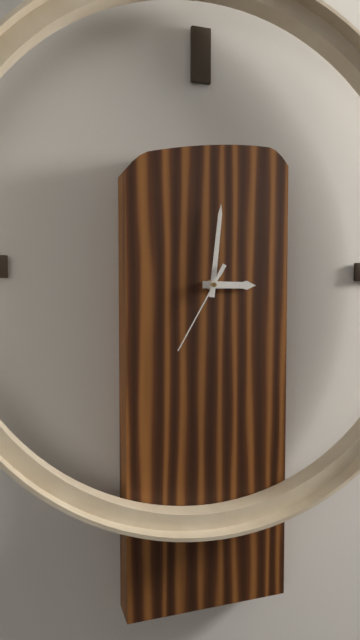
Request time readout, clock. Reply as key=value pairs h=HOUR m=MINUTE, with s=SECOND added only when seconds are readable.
h=3 m=1 s=35
